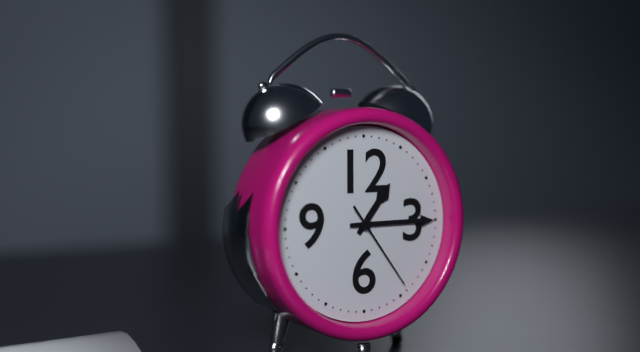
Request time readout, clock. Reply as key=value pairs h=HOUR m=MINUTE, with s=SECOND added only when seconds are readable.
h=1 m=15 s=24
